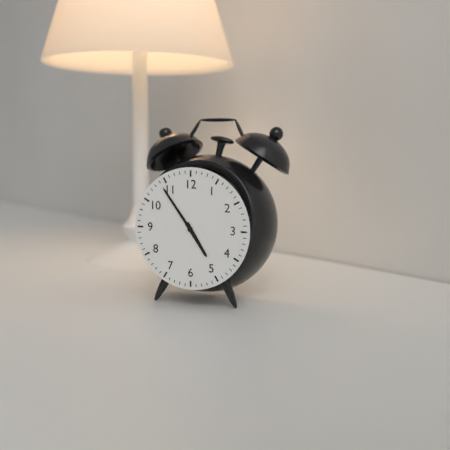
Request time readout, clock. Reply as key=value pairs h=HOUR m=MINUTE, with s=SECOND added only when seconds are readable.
h=4 m=54
